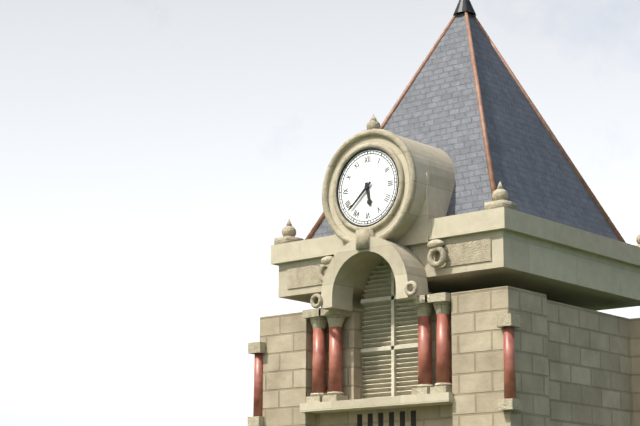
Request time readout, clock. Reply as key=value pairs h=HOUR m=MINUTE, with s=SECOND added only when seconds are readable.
h=5 m=38
